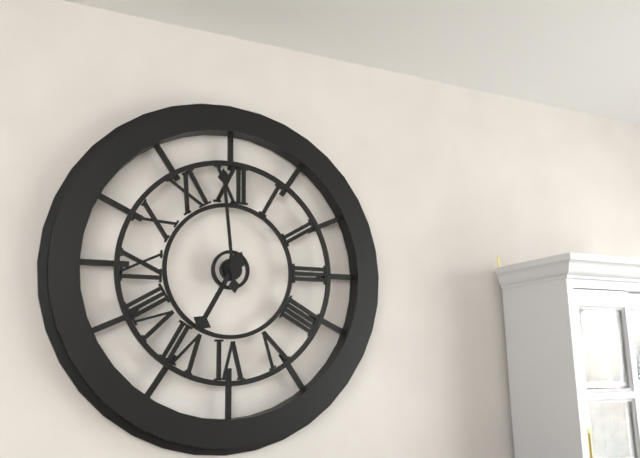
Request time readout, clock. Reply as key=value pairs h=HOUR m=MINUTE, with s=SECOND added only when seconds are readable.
h=6 m=59
